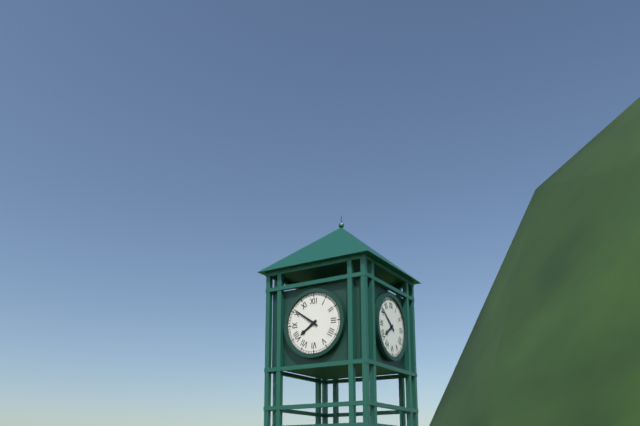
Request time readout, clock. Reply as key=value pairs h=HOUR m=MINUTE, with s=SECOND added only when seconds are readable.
h=7 m=51
